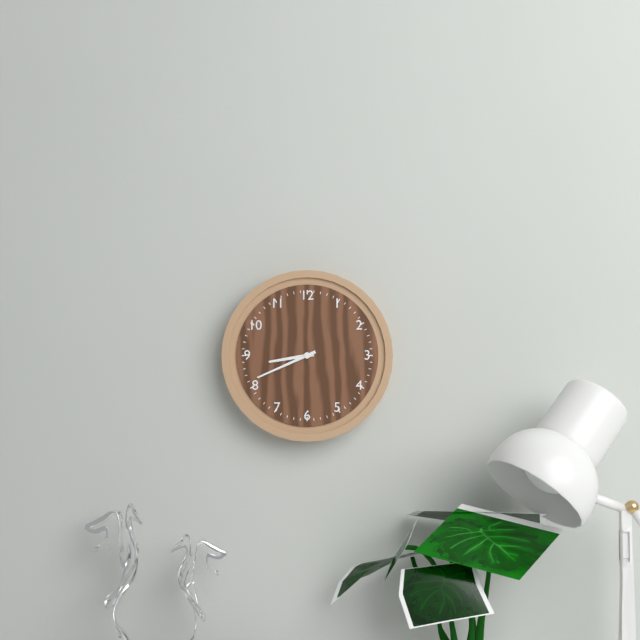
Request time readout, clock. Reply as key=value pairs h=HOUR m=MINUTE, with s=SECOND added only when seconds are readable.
h=8 m=41
